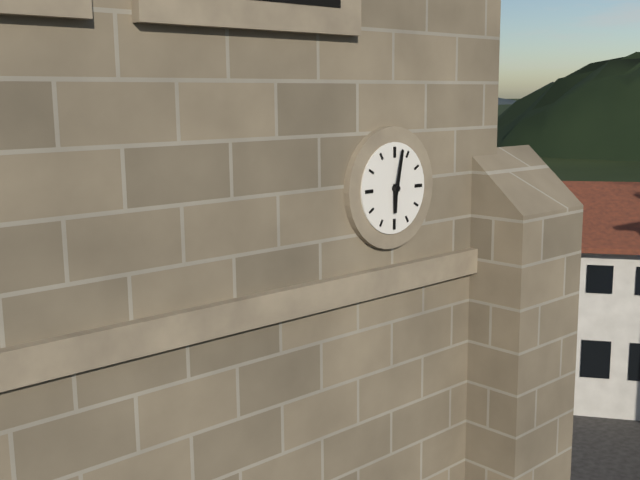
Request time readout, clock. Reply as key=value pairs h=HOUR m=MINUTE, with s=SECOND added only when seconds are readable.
h=6 m=2
